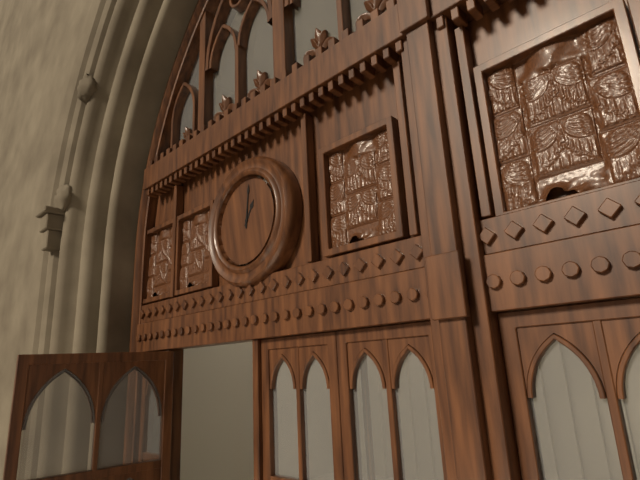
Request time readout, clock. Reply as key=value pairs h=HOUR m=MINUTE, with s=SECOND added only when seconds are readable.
h=1 m=1
